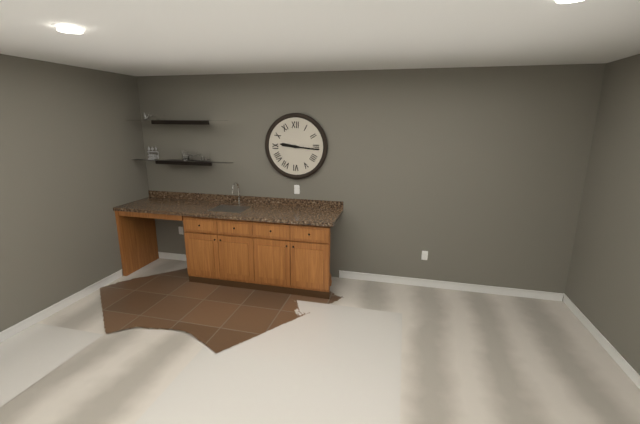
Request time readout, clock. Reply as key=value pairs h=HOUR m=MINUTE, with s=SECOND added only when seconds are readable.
h=9 m=16
